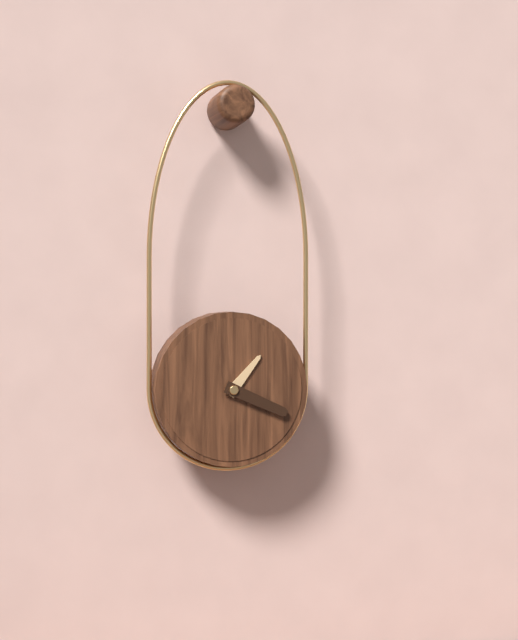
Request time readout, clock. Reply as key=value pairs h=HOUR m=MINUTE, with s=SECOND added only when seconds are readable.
h=1 m=19
